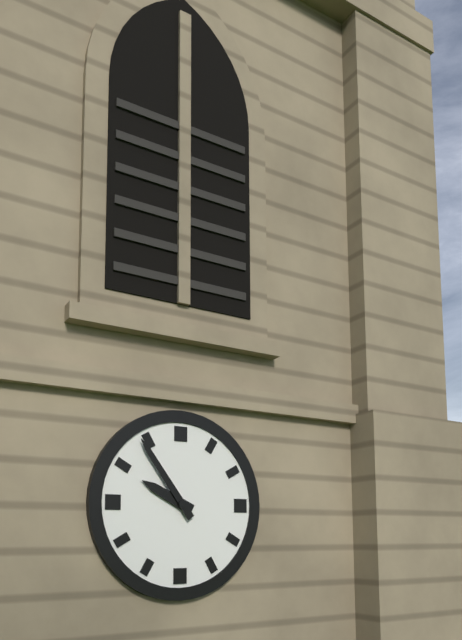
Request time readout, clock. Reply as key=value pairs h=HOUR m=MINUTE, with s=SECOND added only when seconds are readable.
h=9 m=54
